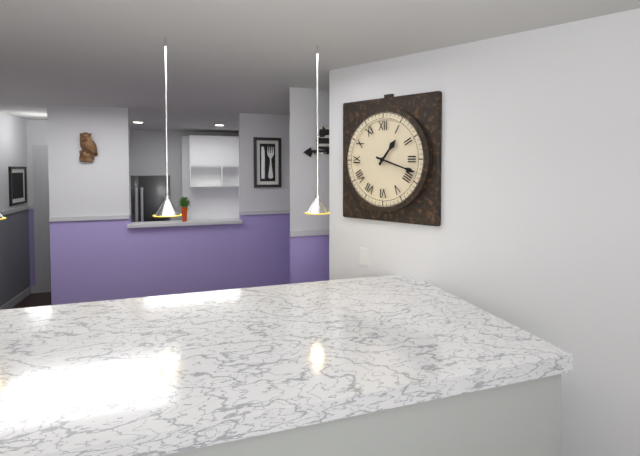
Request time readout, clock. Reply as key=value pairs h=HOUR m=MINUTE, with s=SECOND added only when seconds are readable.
h=1 m=18
